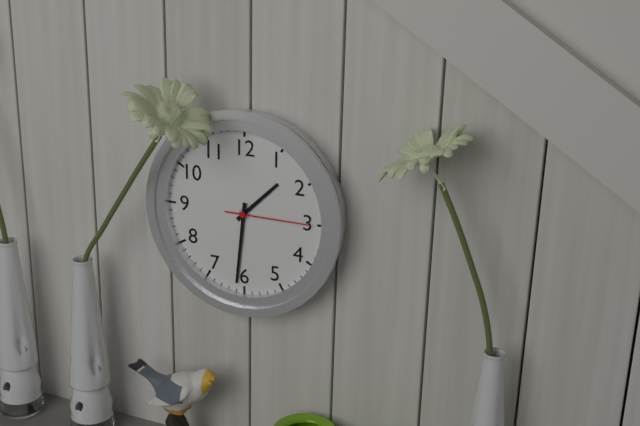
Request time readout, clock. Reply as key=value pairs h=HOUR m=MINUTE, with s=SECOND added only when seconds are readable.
h=1 m=31 s=15
